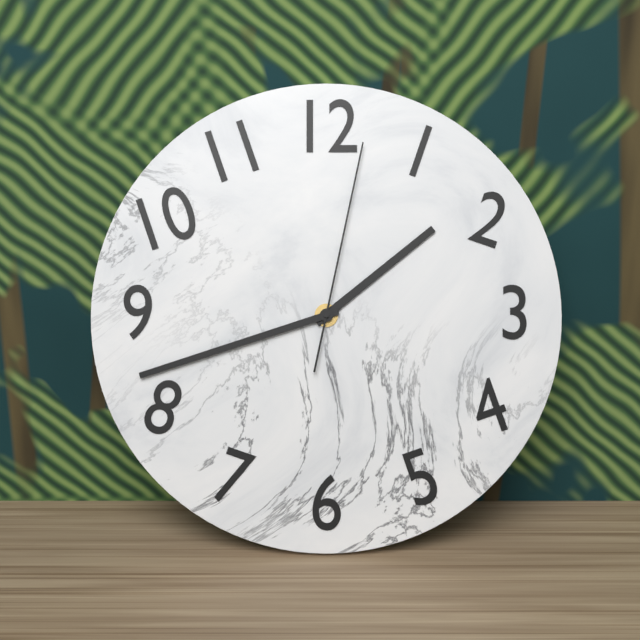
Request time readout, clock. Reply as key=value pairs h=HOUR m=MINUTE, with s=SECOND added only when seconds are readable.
h=1 m=42 s=2
